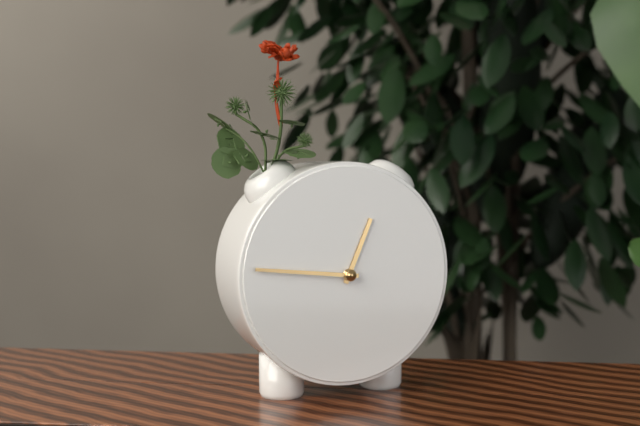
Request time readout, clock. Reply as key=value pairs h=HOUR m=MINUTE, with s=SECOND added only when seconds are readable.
h=12 m=46
